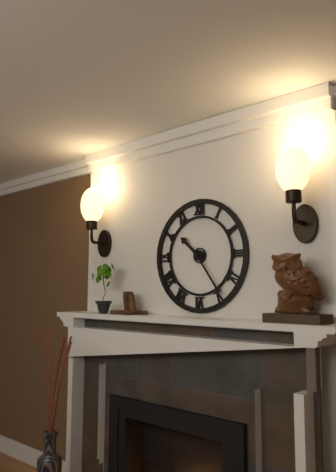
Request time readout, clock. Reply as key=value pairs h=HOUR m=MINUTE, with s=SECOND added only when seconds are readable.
h=10 m=24
